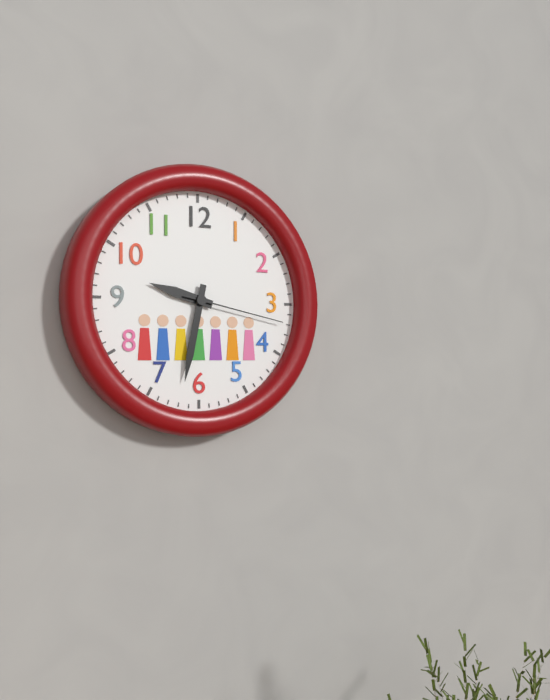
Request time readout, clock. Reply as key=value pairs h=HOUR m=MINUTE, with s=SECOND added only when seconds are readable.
h=9 m=32 s=17
